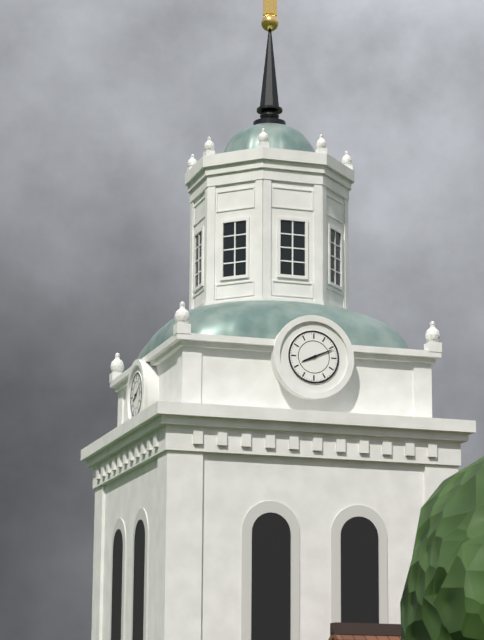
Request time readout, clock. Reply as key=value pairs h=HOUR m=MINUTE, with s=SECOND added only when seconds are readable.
h=8 m=11
